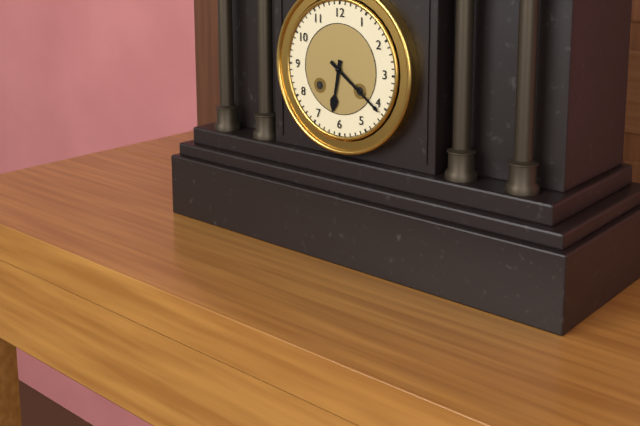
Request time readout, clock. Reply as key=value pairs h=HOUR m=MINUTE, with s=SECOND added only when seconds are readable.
h=6 m=21
